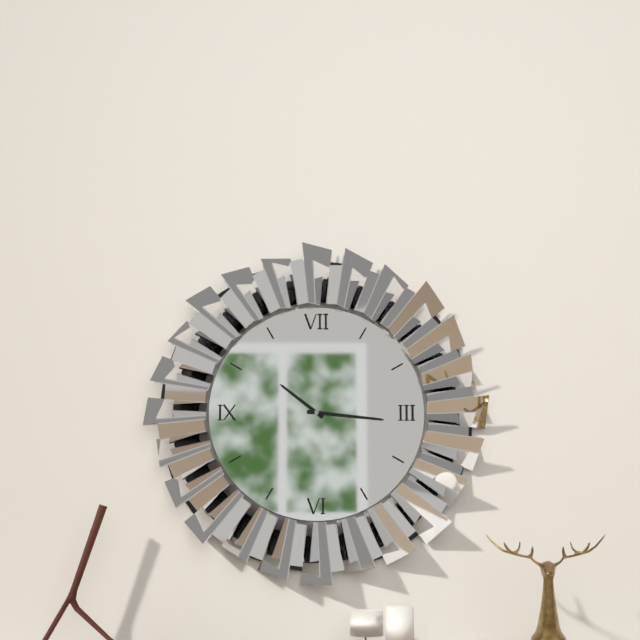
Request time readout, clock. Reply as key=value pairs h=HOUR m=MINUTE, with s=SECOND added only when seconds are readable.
h=10 m=16
